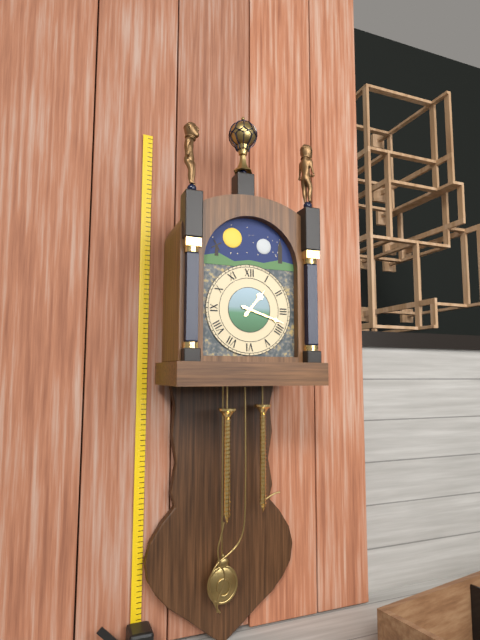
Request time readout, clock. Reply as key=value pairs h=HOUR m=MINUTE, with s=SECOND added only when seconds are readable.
h=1 m=18
